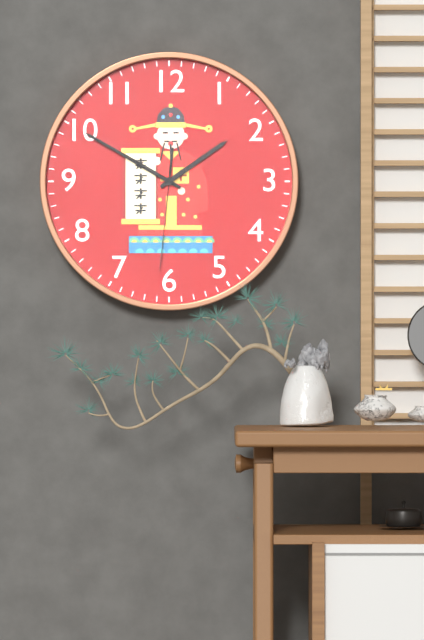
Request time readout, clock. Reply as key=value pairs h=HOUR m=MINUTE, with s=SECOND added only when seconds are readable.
h=1 m=50 s=31
